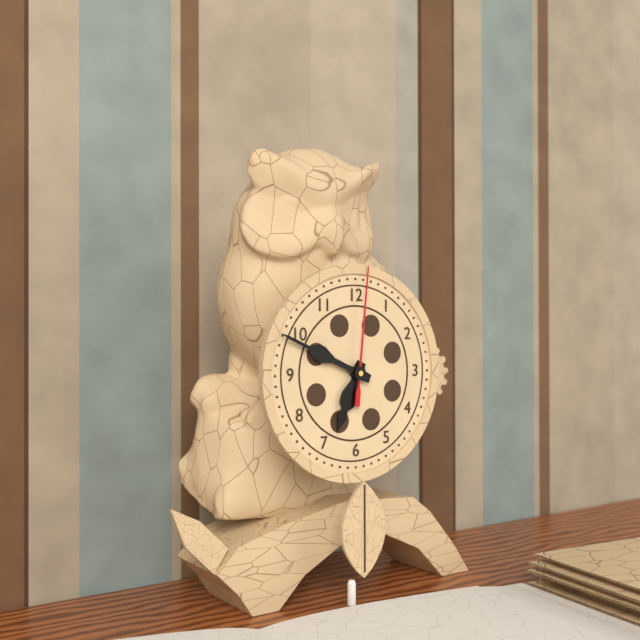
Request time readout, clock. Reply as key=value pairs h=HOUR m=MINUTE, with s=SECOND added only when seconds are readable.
h=6 m=49 s=1
